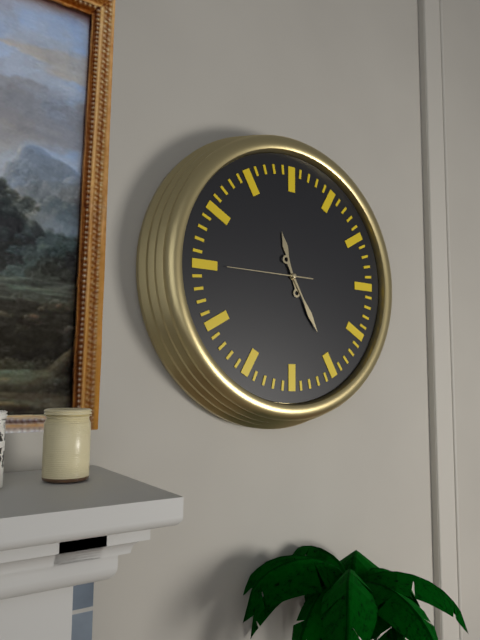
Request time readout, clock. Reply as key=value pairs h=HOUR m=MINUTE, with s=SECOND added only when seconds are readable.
h=11 m=25 s=45
